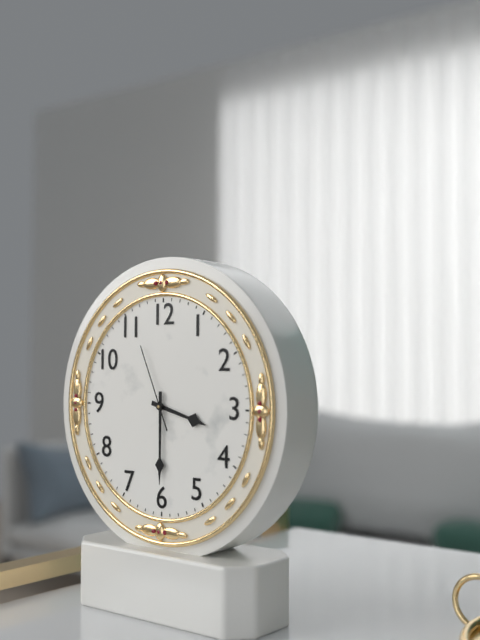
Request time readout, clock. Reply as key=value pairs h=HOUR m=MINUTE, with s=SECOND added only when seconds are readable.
h=3 m=30 s=56
